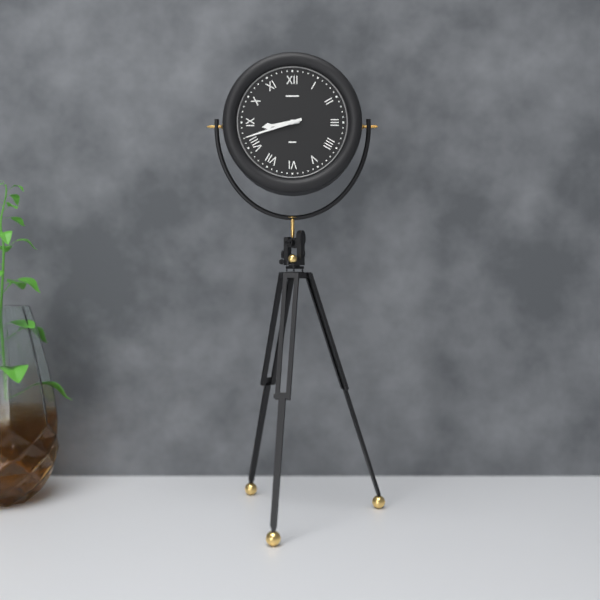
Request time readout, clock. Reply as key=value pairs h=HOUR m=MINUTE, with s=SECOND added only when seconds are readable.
h=8 m=42
